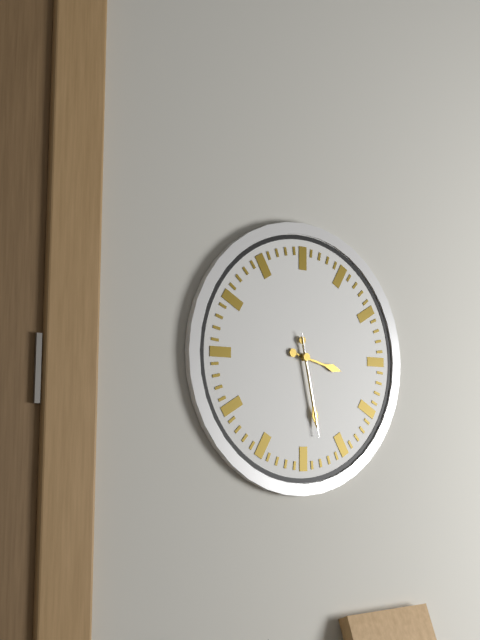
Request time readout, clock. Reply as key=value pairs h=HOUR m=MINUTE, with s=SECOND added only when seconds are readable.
h=3 m=28 s=28
